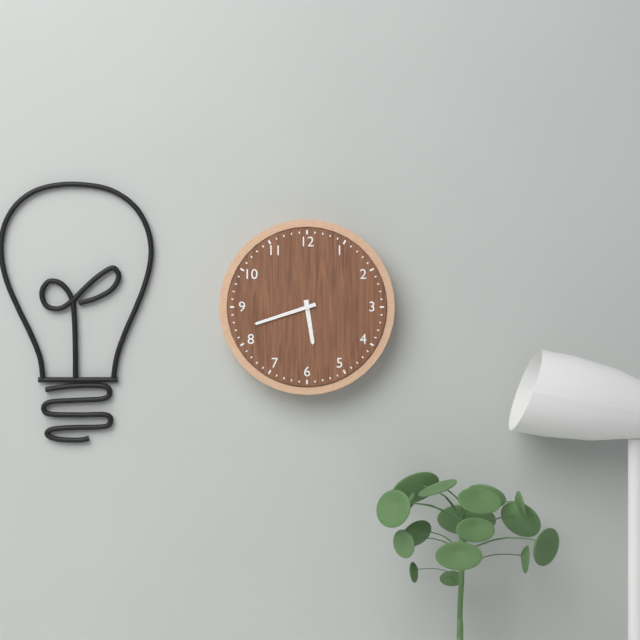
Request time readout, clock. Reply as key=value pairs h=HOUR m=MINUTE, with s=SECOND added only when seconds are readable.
h=5 m=42
